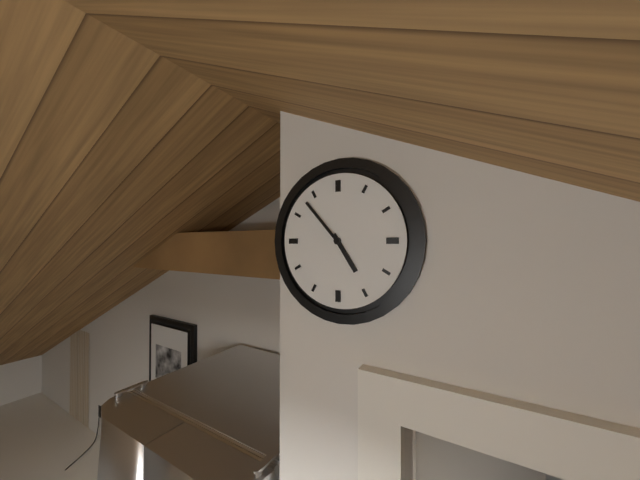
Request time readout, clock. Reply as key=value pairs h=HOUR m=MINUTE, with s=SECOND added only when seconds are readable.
h=4 m=53
